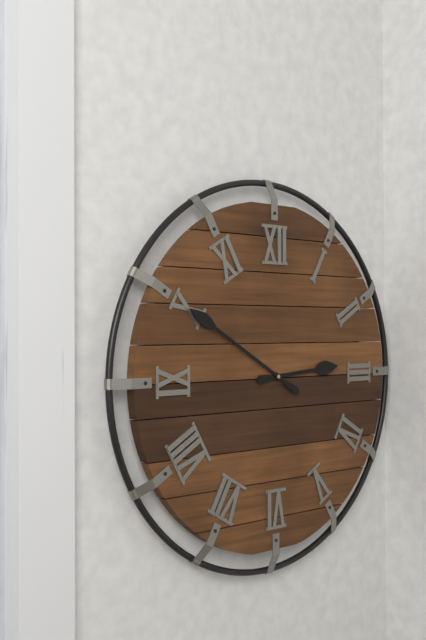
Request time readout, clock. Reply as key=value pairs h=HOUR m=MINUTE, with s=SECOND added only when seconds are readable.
h=2 m=50
